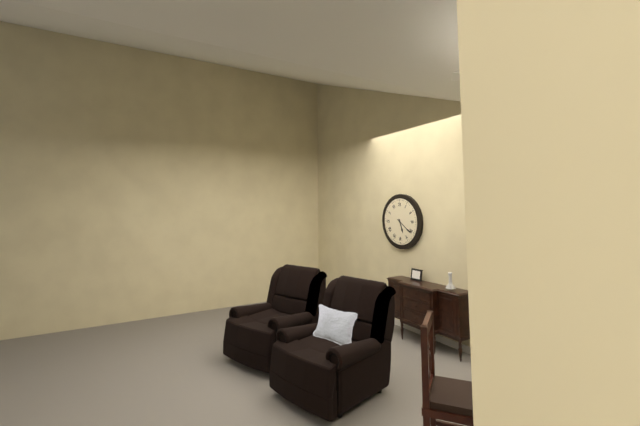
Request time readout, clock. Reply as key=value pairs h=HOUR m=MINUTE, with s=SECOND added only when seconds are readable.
h=5 m=21
